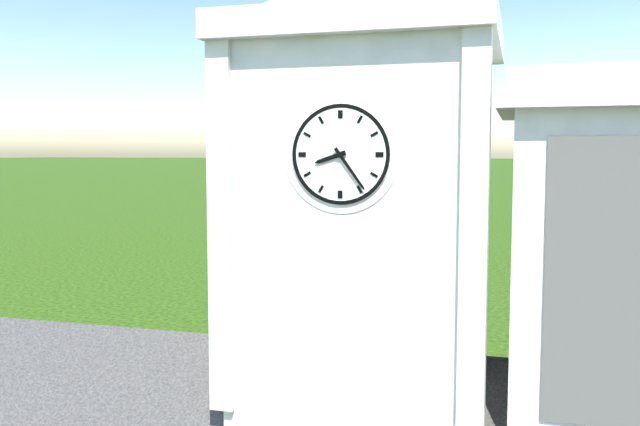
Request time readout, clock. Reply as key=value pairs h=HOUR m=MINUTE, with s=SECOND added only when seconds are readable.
h=8 m=24
